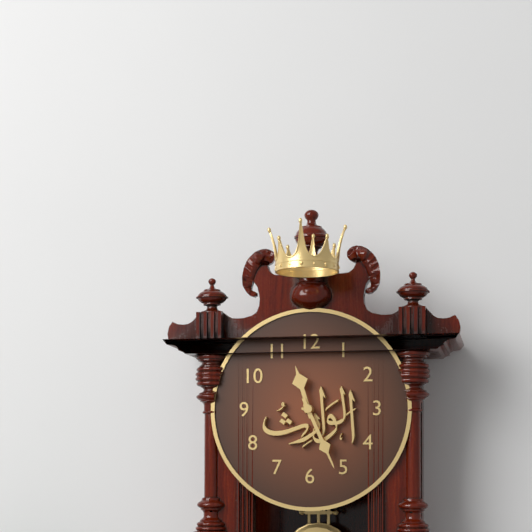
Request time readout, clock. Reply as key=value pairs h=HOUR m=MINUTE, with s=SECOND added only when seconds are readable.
h=11 m=26
